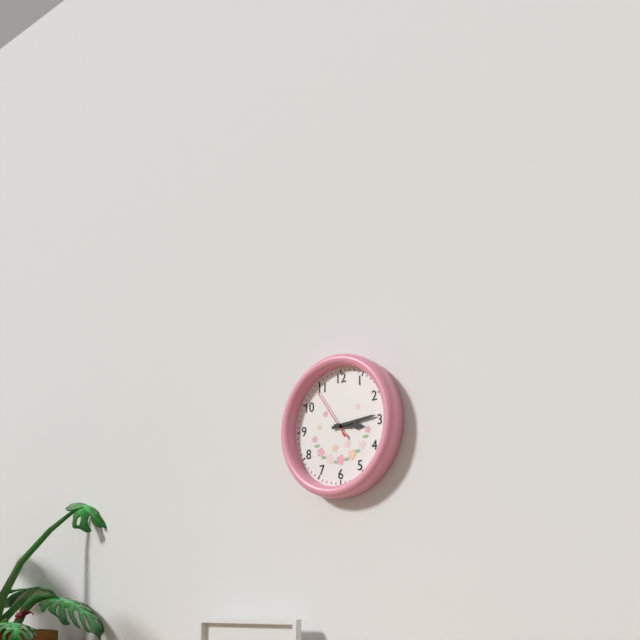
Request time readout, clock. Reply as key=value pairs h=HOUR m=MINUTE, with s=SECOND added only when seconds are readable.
h=3 m=14 s=54
